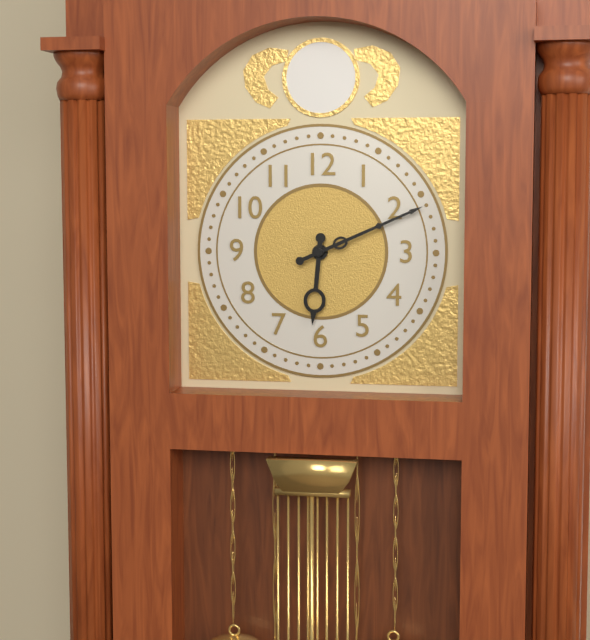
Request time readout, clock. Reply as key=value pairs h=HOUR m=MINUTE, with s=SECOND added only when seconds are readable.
h=6 m=11
